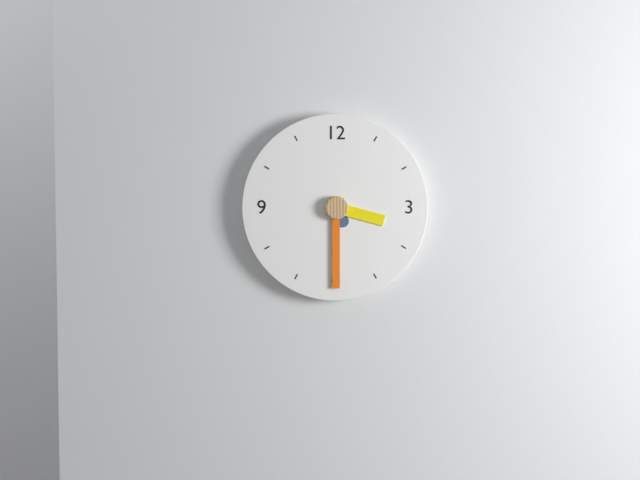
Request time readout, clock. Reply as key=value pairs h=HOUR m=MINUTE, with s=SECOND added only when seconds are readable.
h=3 m=30
